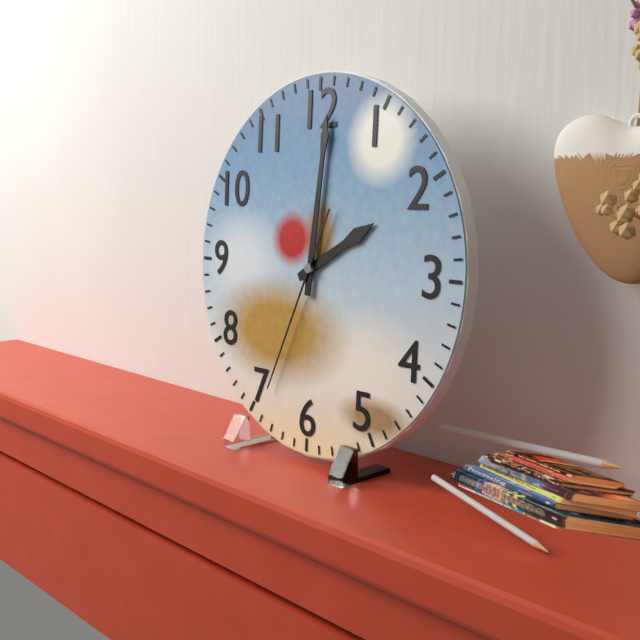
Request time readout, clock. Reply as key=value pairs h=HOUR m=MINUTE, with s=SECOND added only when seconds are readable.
h=2 m=1 s=34
